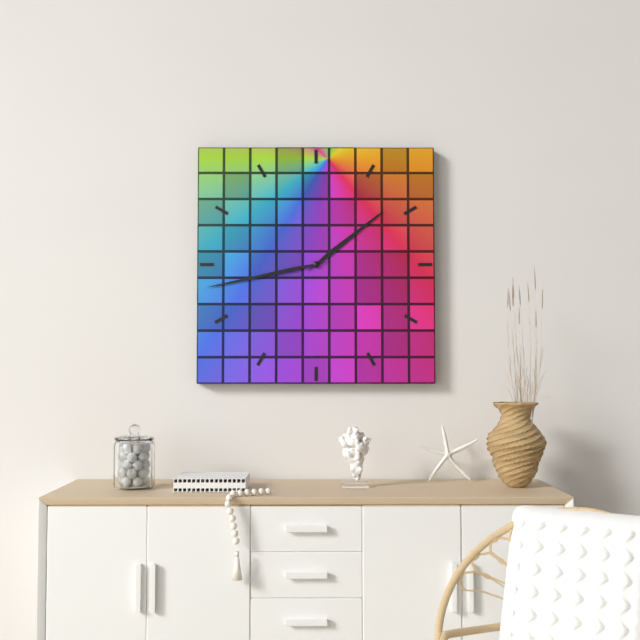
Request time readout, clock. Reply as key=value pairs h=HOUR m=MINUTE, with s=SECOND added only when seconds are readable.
h=1 m=43
